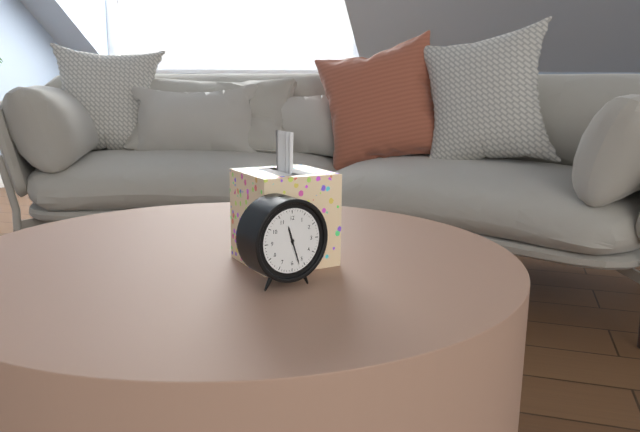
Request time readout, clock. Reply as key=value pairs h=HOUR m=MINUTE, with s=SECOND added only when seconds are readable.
h=11 m=27
